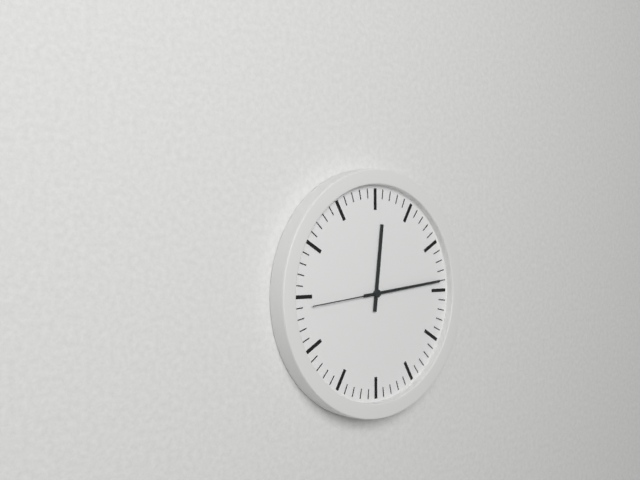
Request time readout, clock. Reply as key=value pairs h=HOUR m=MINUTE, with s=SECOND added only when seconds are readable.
h=12 m=14 s=44
